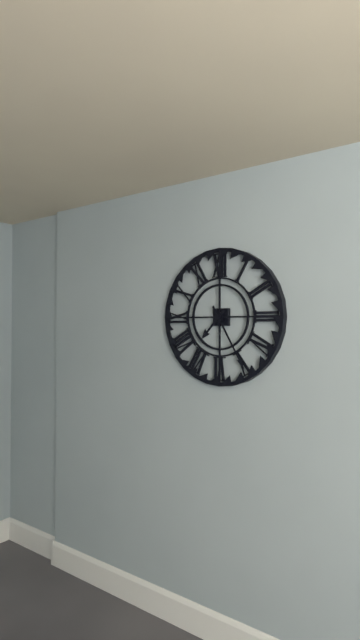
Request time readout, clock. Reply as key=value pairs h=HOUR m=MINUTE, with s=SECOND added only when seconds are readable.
h=7 m=25
